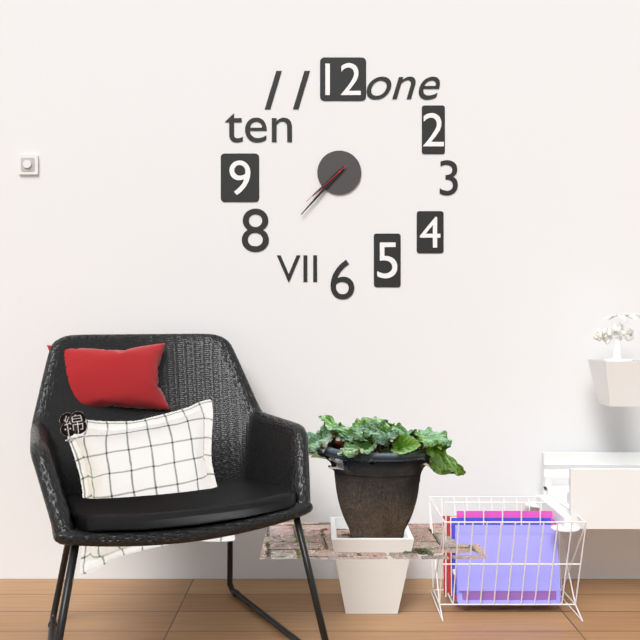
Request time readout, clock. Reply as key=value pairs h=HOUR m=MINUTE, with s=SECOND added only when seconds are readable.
h=7 m=37 s=38
